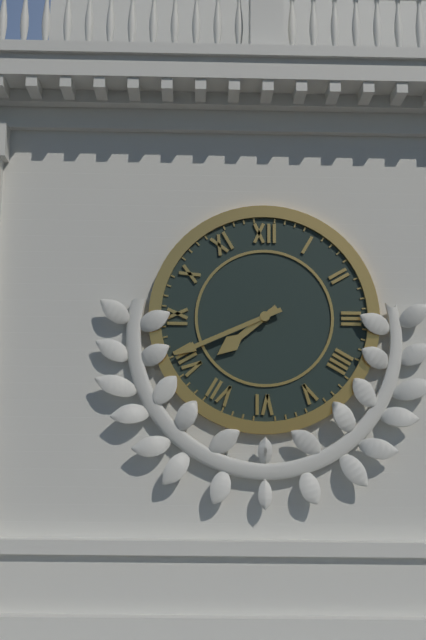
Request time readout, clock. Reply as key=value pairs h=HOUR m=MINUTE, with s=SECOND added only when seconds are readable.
h=7 m=41
